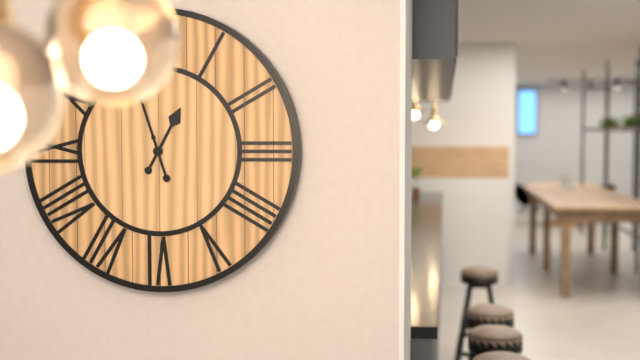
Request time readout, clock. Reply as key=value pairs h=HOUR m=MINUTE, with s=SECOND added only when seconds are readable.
h=12 m=57
